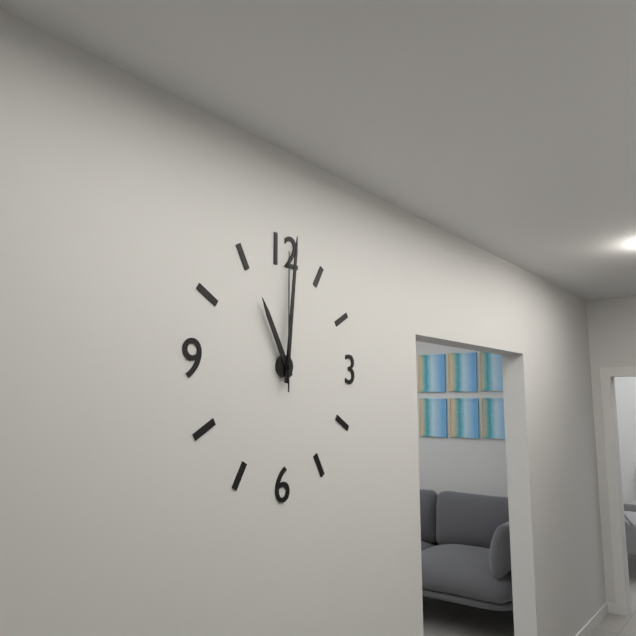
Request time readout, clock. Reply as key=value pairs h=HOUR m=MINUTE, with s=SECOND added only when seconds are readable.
h=11 m=1 s=0
